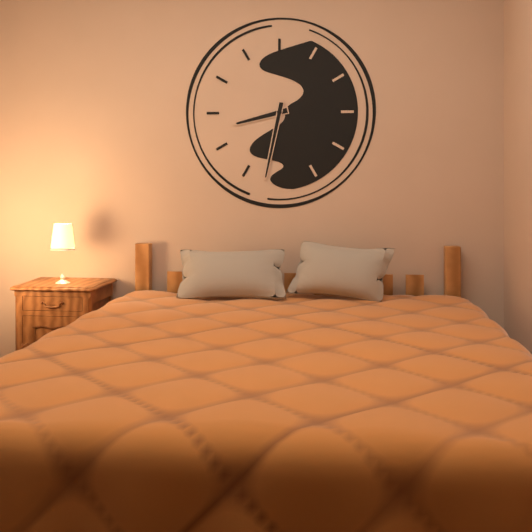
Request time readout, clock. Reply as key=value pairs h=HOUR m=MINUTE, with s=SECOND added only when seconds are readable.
h=8 m=32
